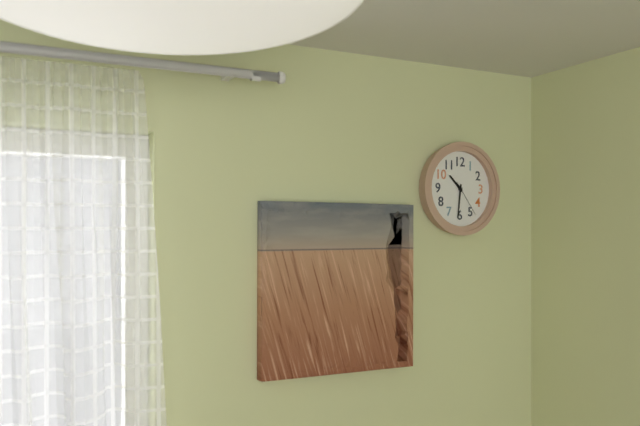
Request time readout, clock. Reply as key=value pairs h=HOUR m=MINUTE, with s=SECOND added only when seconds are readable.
h=10 m=31
